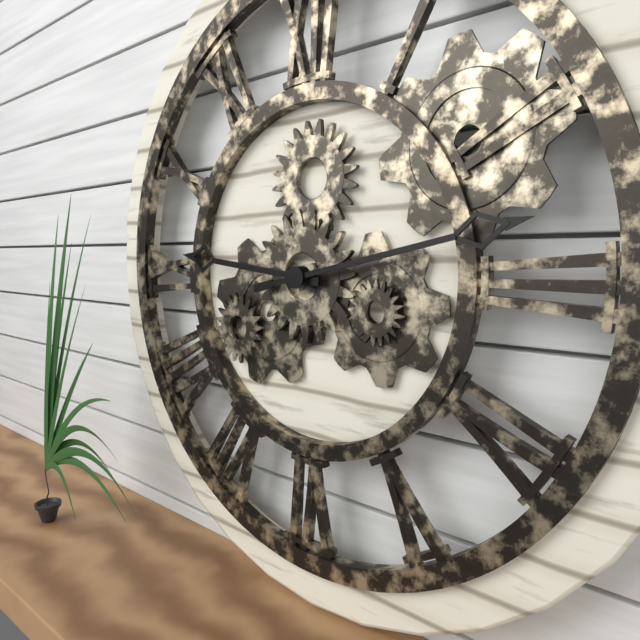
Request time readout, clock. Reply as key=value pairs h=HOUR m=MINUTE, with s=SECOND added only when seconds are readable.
h=9 m=13
